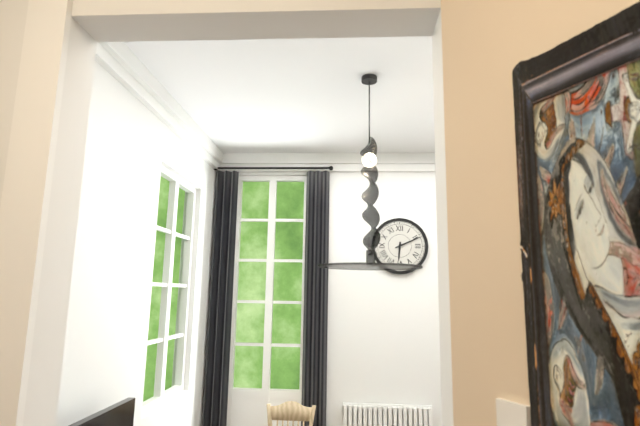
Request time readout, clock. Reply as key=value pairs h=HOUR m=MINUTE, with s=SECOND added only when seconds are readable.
h=6 m=11
